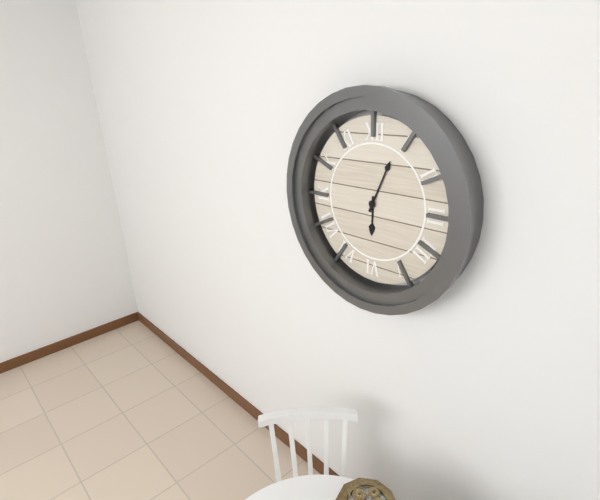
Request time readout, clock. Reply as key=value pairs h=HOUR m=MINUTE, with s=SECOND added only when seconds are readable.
h=6 m=4
